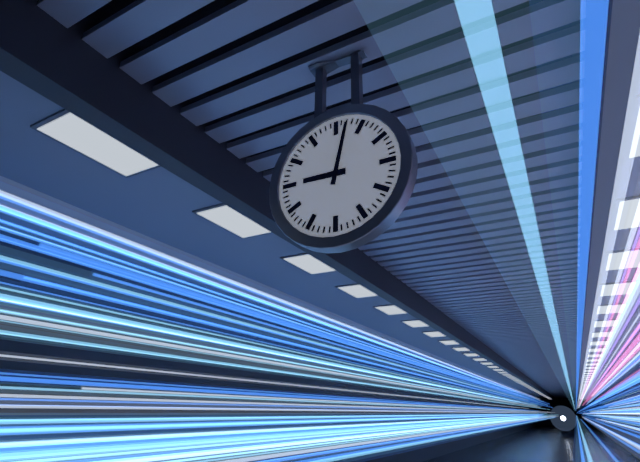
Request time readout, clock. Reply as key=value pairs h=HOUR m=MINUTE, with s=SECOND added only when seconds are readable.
h=9 m=2
